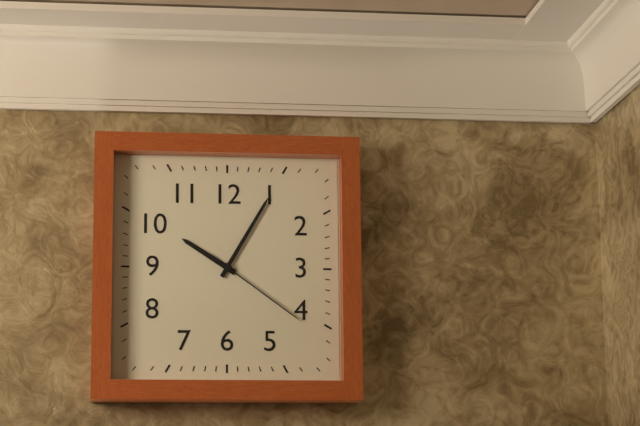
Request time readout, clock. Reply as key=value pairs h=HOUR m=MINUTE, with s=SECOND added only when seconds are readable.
h=10 m=5 s=21
